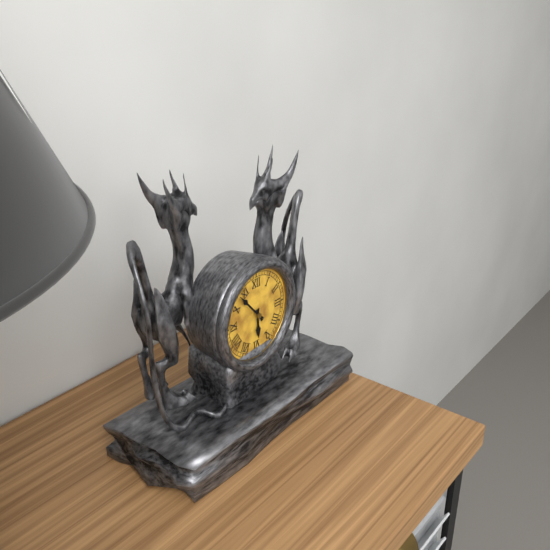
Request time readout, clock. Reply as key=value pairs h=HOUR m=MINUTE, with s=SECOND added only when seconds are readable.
h=5 m=53
